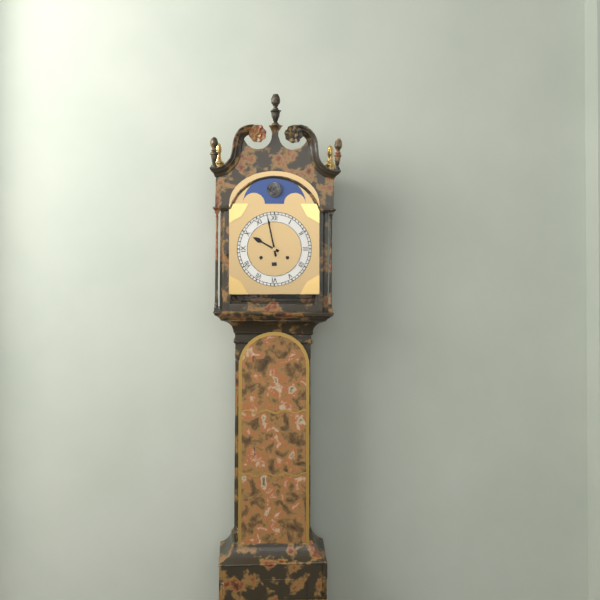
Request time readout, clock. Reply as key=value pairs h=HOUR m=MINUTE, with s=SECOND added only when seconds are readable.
h=9 m=58
